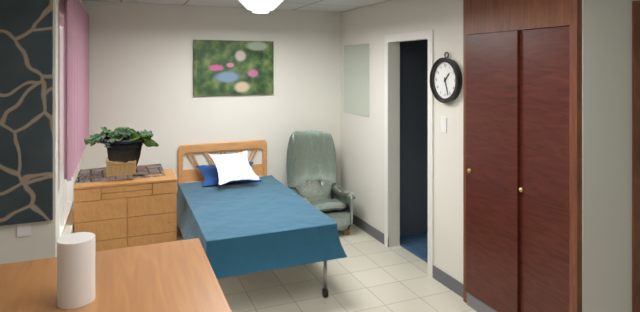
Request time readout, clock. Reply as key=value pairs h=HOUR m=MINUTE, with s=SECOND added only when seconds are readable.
h=1 m=27
